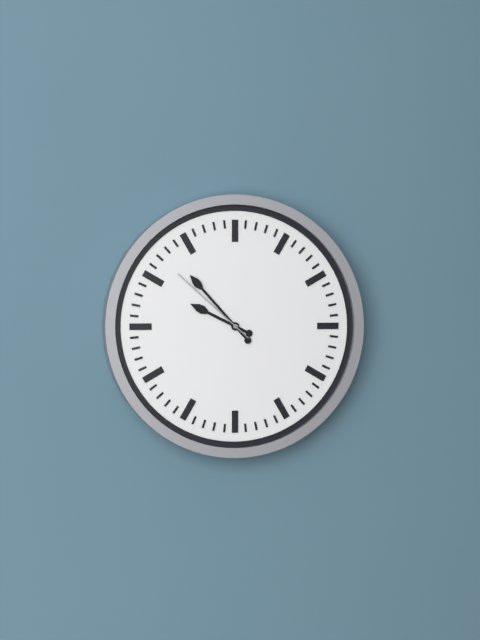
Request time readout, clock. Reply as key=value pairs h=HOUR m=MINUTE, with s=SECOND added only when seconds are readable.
h=9 m=53 s=52
